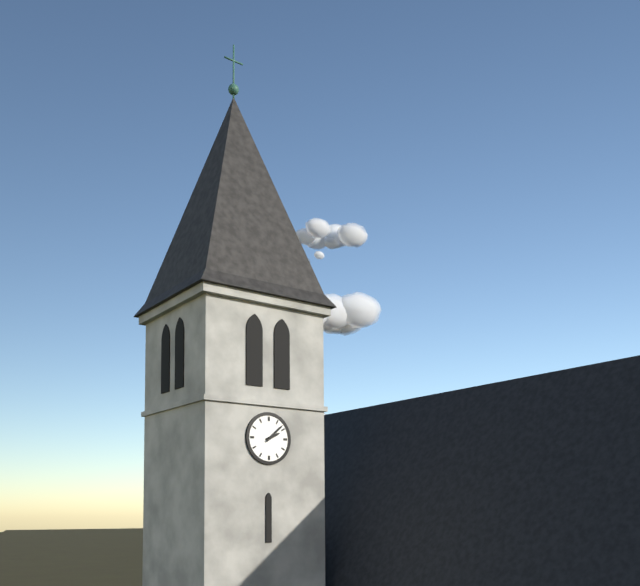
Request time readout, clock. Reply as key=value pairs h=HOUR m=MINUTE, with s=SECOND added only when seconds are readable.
h=2 m=8
